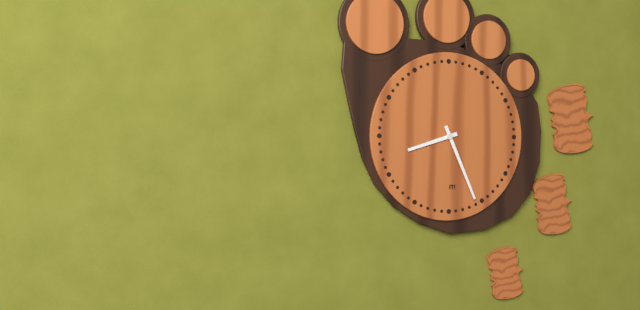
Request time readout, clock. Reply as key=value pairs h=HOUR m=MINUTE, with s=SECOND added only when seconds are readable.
h=8 m=26
